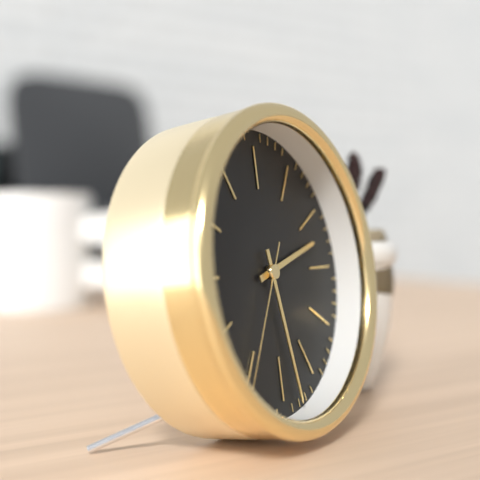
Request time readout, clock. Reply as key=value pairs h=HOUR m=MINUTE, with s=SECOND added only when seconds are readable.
h=2 m=28 s=35
